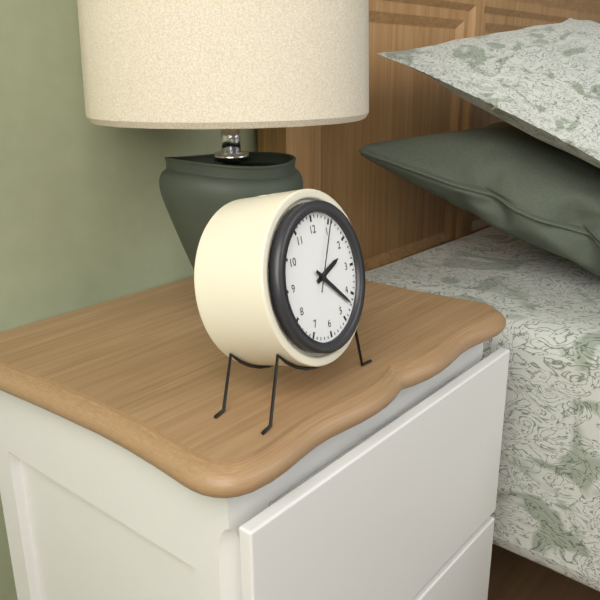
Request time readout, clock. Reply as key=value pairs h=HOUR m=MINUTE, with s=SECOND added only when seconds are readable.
h=2 m=22 s=5
